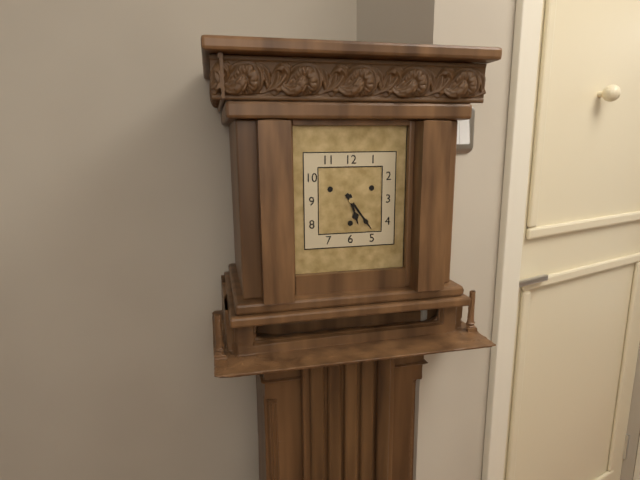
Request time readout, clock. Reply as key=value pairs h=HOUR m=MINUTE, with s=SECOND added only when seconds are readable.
h=5 m=24
